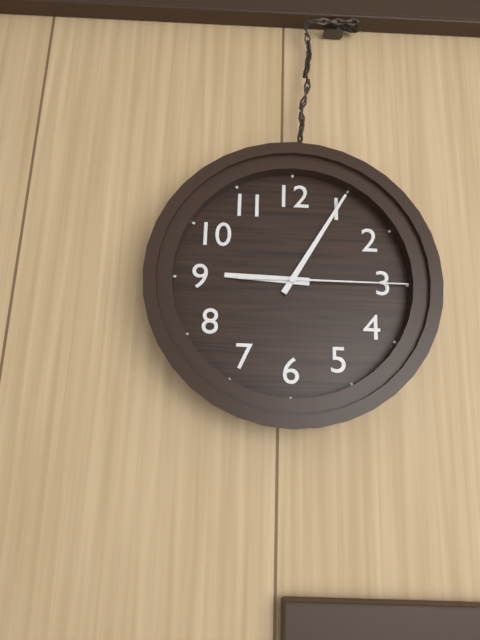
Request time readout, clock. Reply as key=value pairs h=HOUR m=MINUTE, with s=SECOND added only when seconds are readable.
h=9 m=5 s=15
